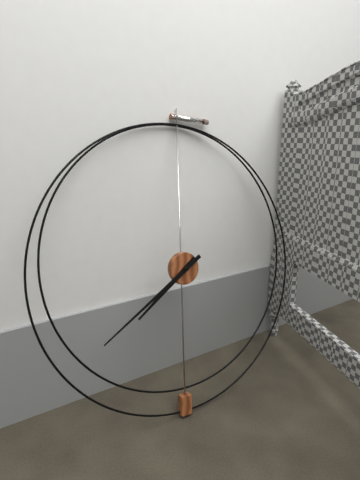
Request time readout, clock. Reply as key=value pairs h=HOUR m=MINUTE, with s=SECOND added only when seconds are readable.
h=7 m=39
